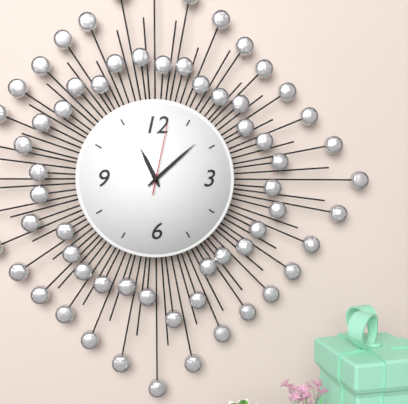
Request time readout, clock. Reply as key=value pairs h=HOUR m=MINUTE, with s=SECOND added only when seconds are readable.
h=11 m=8 s=2
